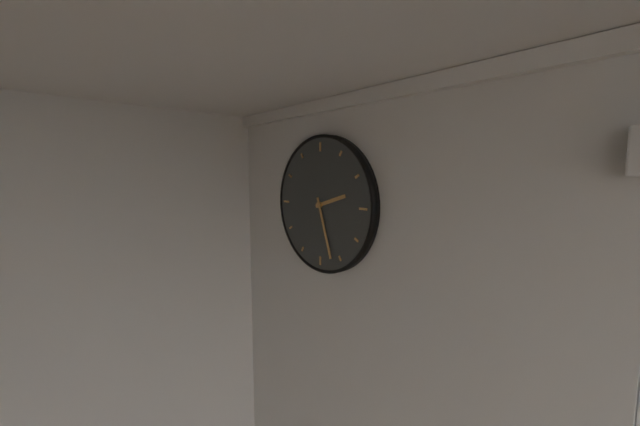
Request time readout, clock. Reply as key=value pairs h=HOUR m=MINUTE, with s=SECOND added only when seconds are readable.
h=2 m=27
